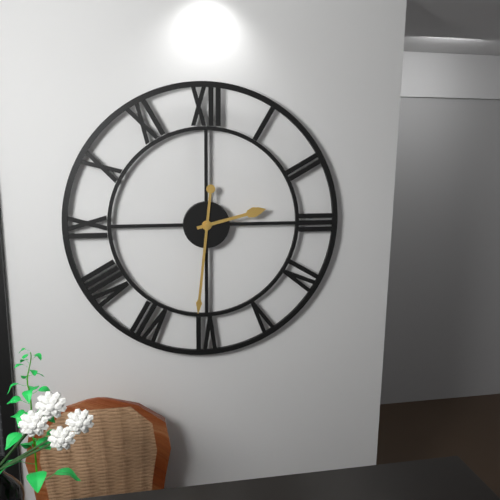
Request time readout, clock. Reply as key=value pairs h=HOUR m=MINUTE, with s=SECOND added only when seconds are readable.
h=2 m=31
